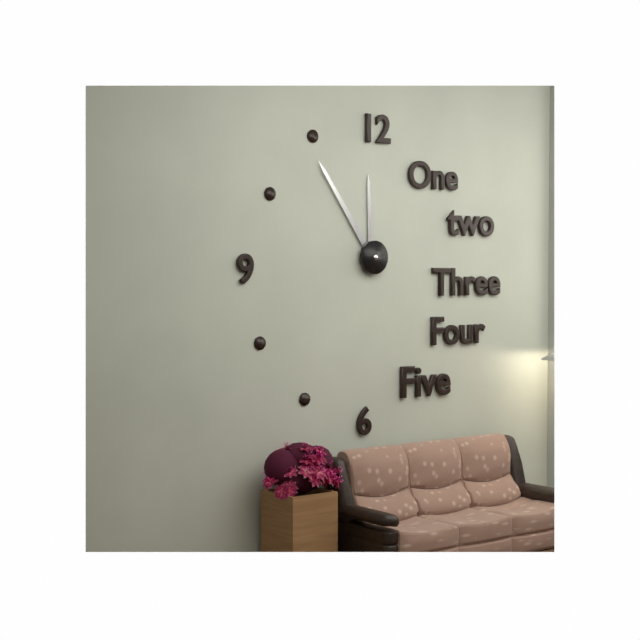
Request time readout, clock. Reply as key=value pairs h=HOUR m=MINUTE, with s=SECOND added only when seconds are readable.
h=11 m=54
